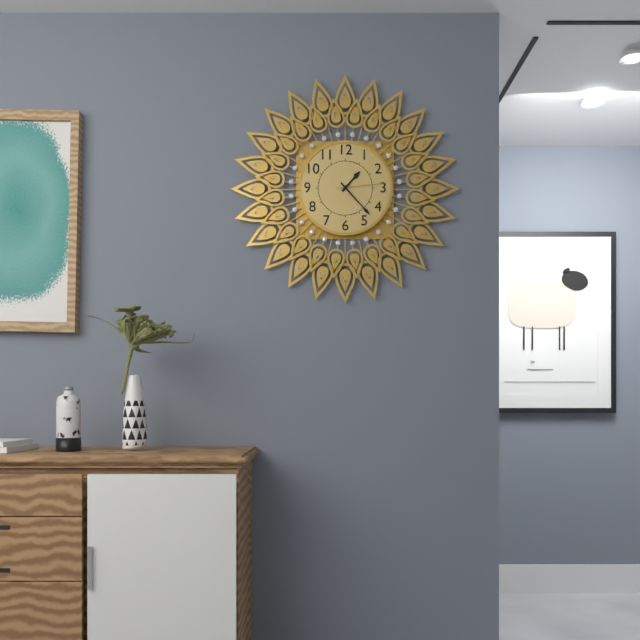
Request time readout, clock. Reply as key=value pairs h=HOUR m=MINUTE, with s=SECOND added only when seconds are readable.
h=1 m=23 s=14
